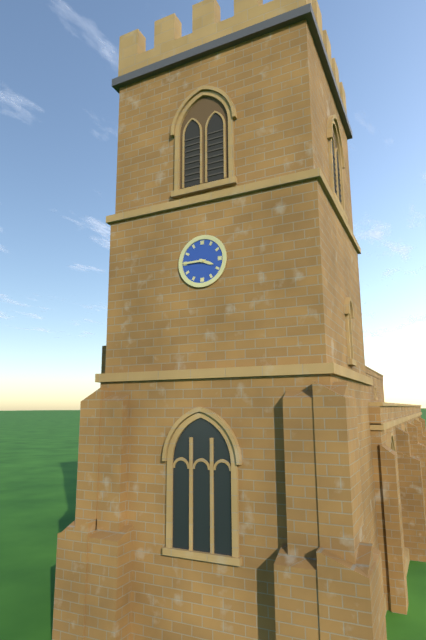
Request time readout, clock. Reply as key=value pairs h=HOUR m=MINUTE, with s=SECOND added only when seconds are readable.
h=3 m=45
